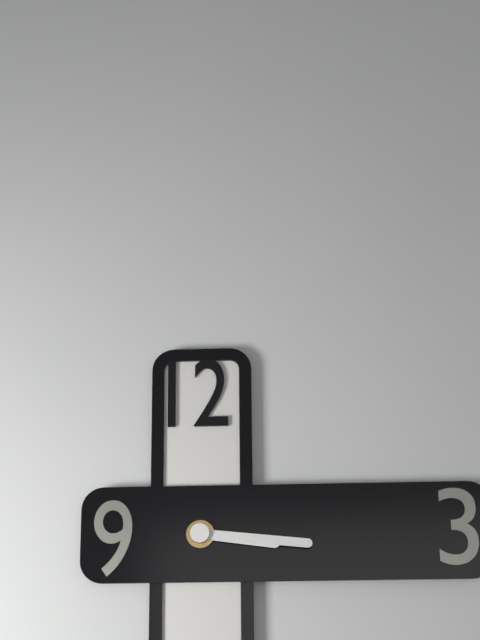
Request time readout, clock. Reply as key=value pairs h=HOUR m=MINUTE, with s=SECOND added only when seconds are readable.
h=3 m=16
